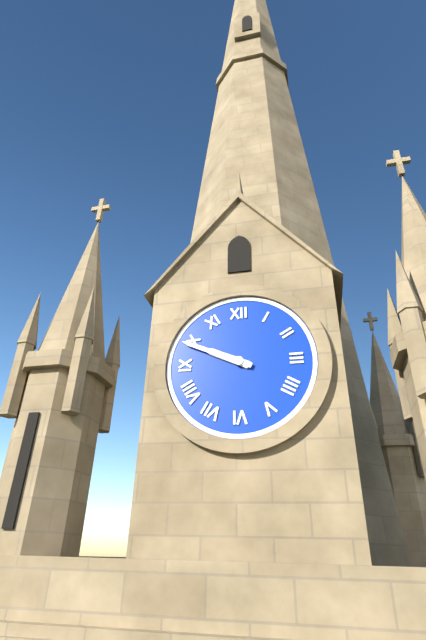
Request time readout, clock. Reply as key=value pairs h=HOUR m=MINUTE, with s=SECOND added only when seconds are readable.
h=9 m=49
